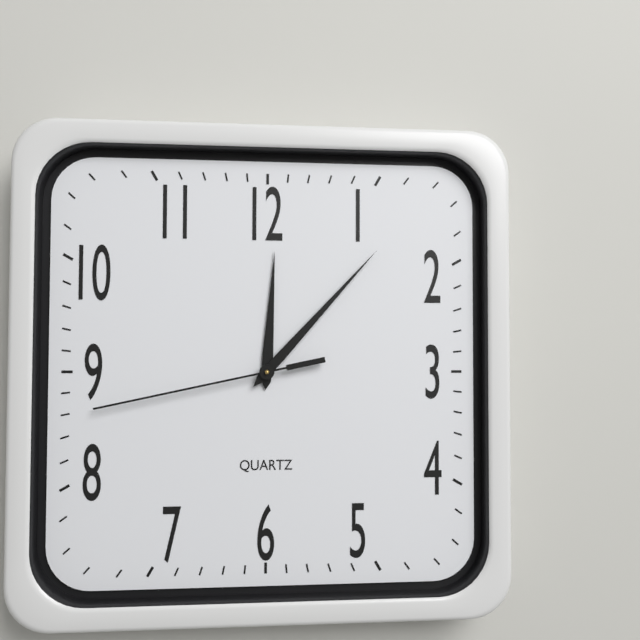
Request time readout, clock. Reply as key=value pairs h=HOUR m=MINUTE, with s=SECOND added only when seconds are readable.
h=12 m=7 s=43
